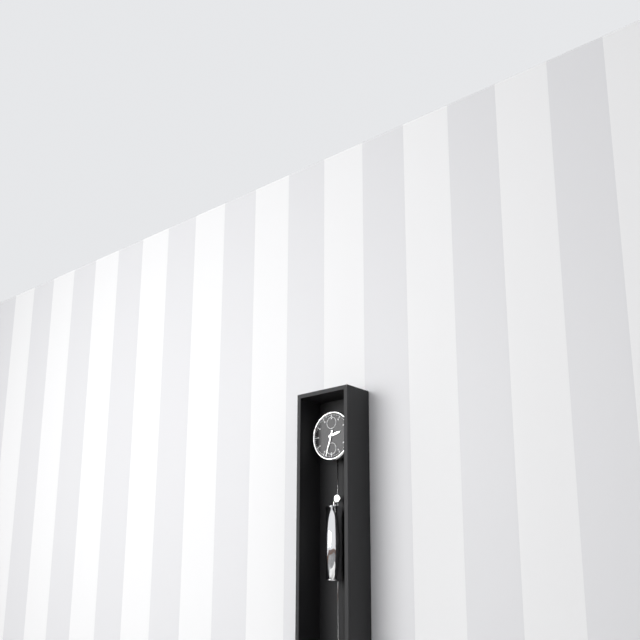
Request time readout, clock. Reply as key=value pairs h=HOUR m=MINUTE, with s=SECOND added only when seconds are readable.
h=2 m=33
